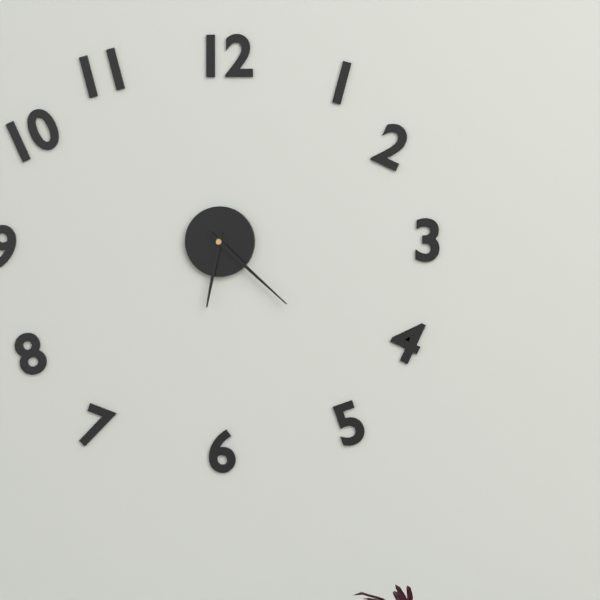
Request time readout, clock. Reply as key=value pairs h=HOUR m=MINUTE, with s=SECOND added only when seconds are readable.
h=6 m=22
